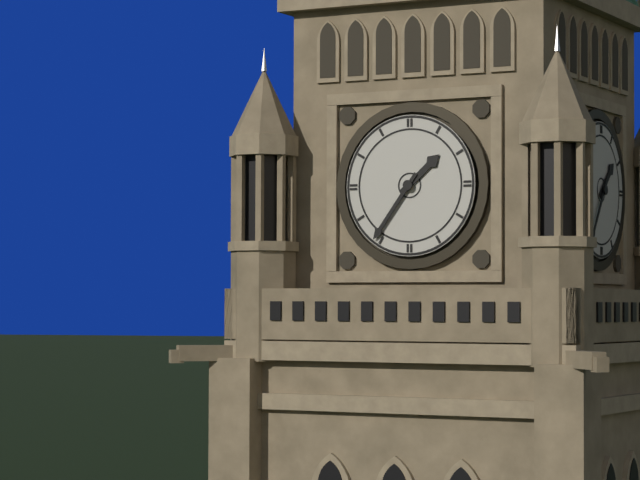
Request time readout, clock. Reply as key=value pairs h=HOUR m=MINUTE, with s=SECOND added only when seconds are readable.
h=1 m=36
